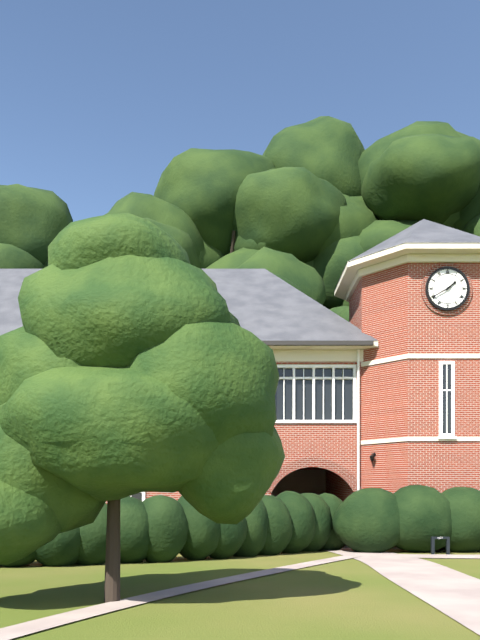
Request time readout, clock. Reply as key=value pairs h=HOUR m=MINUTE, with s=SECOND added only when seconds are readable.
h=1 m=40
